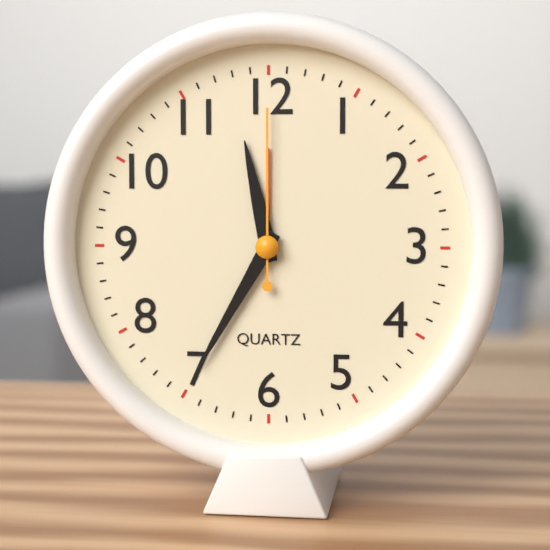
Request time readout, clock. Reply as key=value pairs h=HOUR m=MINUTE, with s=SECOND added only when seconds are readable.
h=11 m=35 s=0
